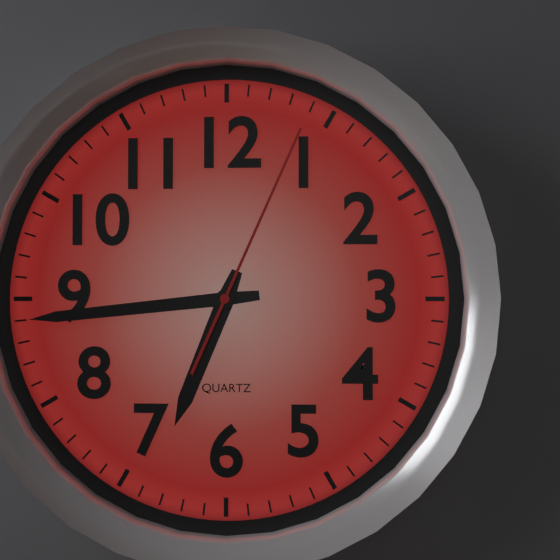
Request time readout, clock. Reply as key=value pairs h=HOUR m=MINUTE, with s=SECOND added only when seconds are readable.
h=6 m=44 s=4
